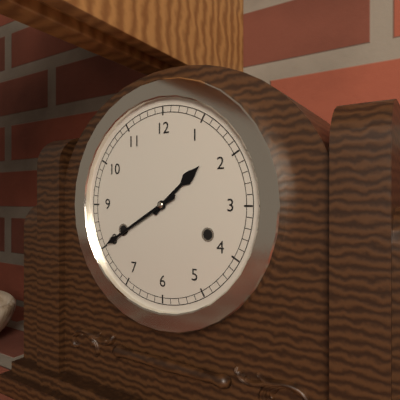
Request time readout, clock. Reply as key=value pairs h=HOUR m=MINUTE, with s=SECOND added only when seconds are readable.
h=1 m=40
